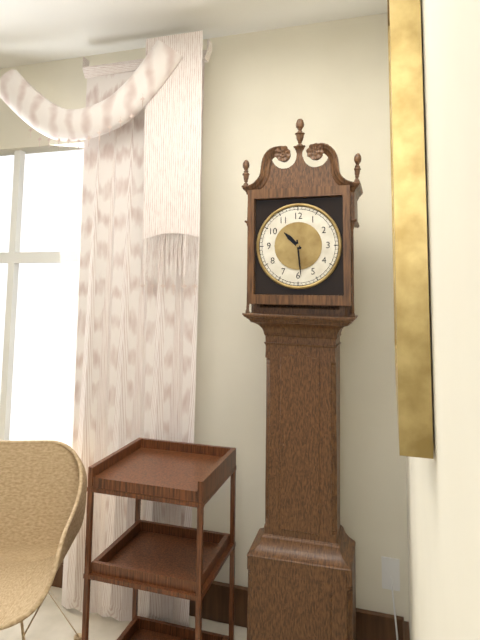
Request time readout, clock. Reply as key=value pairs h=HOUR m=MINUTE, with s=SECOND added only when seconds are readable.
h=10 m=29
